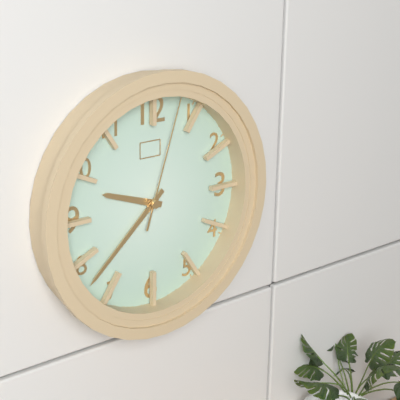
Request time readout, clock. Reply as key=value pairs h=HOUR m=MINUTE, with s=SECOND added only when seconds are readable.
h=9 m=38 s=3
